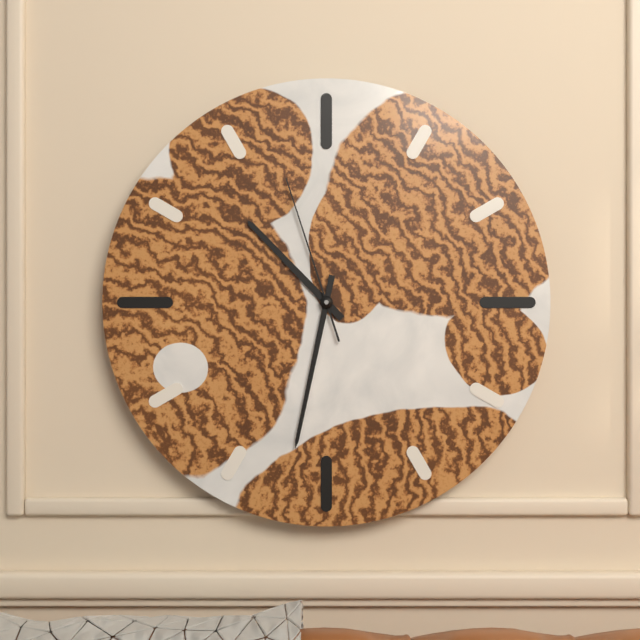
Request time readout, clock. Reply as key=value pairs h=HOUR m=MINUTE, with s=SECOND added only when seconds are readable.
h=10 m=32 s=57
